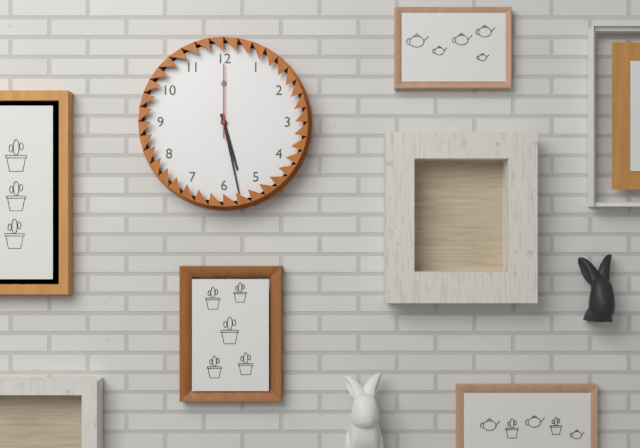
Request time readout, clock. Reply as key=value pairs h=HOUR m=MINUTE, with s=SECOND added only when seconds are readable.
h=5 m=28 s=0
